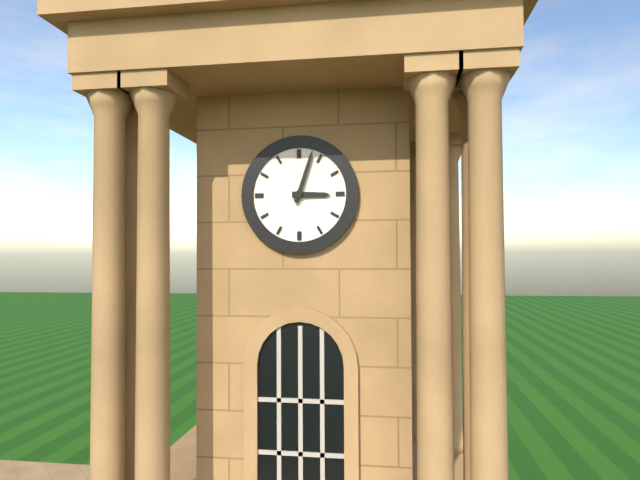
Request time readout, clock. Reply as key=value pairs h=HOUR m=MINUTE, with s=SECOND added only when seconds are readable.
h=3 m=3
